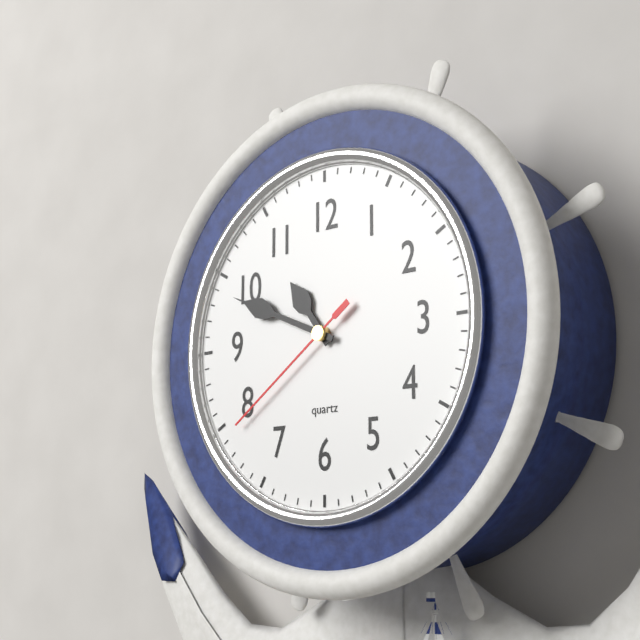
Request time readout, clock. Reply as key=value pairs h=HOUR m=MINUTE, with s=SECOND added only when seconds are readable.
h=10 m=49 s=39
